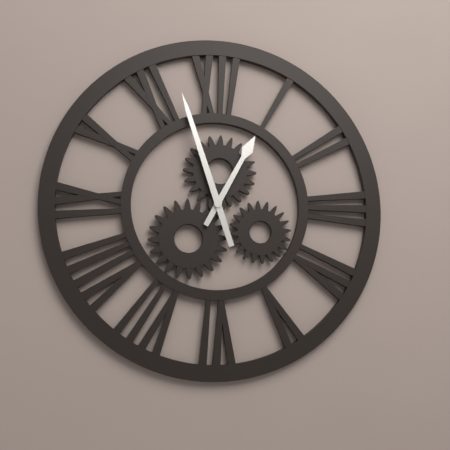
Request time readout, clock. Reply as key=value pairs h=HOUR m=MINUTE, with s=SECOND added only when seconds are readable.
h=12 m=57
